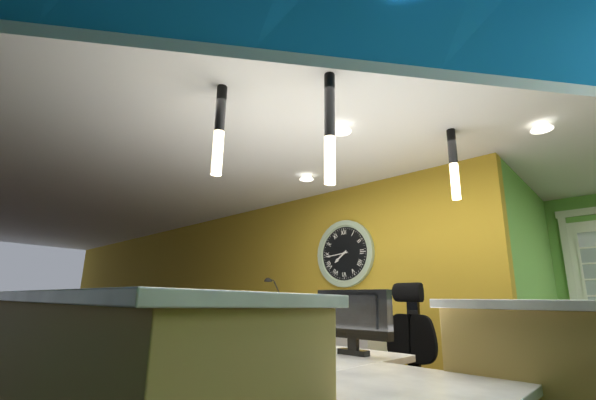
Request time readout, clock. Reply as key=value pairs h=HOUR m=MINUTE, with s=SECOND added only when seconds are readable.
h=7 m=44
